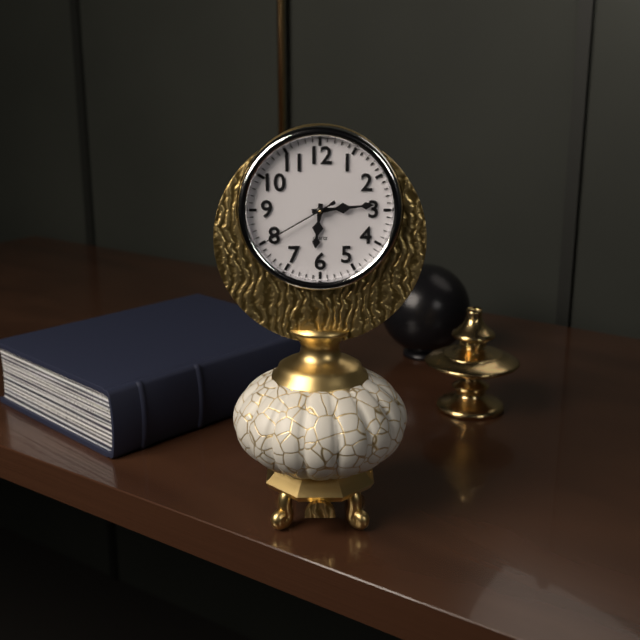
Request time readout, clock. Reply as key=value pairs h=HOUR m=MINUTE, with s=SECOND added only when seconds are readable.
h=6 m=14 s=40
